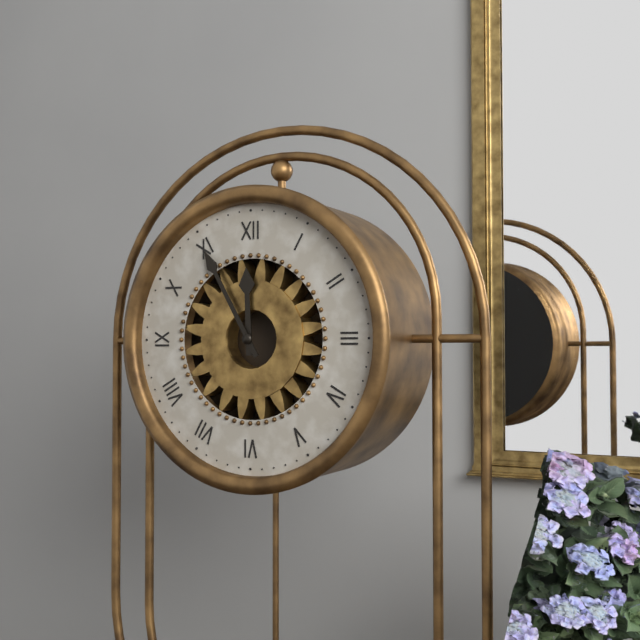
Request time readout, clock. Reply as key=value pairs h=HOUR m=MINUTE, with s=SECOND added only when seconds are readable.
h=11 m=55
